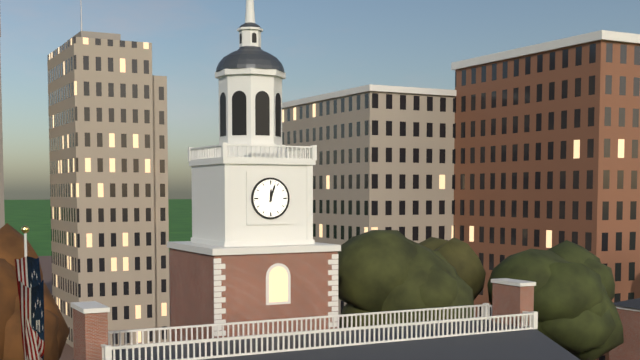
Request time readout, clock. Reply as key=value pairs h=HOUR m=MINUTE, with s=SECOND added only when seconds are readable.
h=12 m=3
